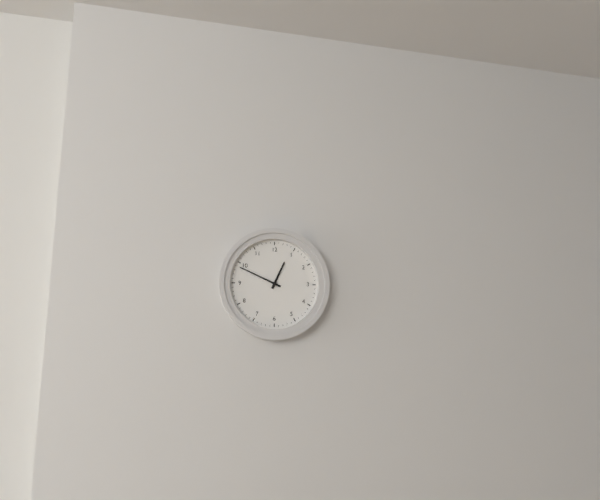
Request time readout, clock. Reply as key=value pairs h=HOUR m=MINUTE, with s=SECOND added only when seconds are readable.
h=12 m=49
